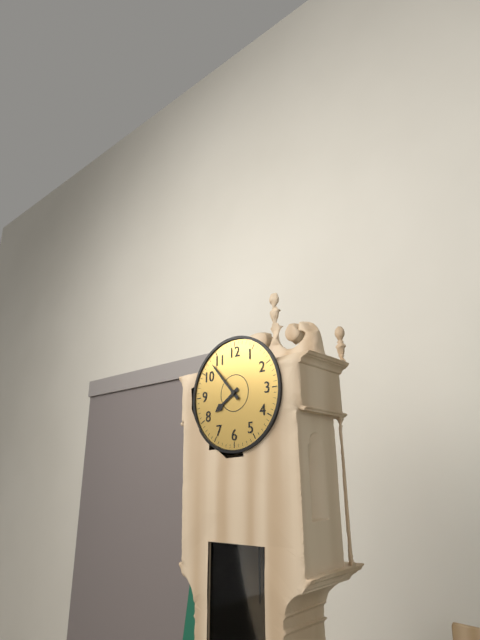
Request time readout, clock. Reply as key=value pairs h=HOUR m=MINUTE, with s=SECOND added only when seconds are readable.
h=7 m=53
